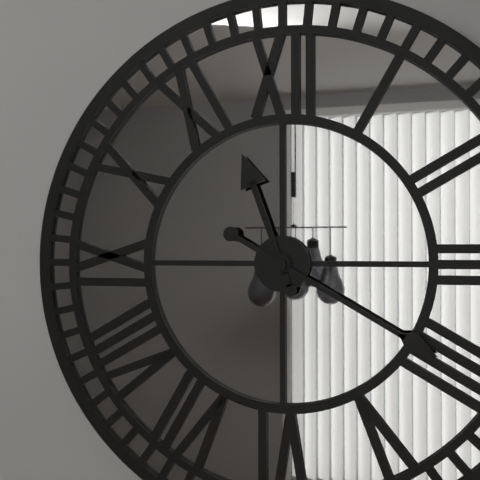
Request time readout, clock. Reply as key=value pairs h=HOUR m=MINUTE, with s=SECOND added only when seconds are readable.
h=11 m=20
